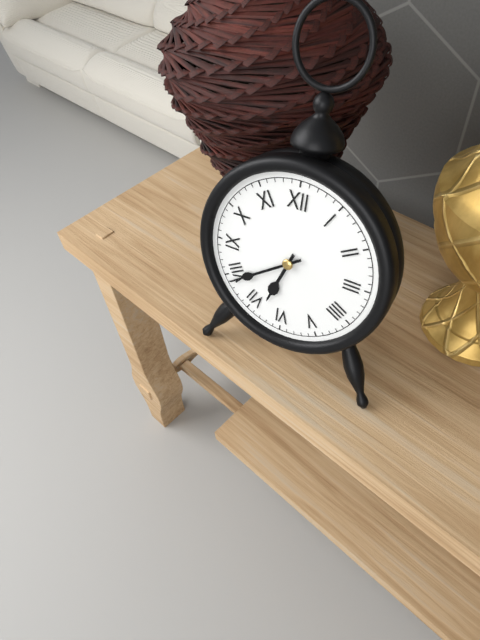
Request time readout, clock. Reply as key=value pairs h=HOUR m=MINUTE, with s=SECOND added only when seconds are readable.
h=6 m=39
